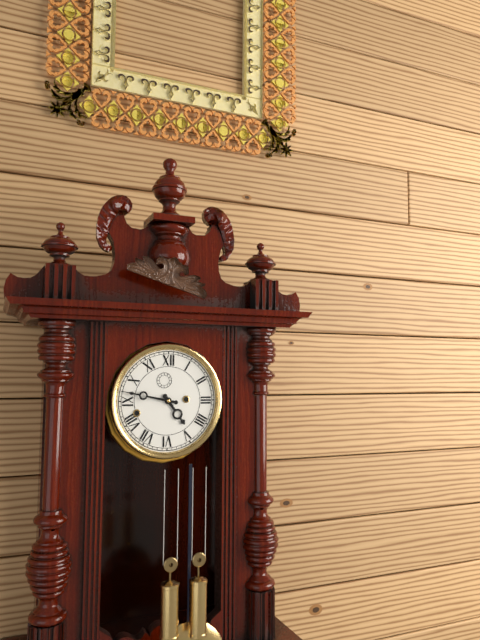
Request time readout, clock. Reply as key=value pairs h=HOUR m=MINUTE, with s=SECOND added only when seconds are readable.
h=4 m=47
